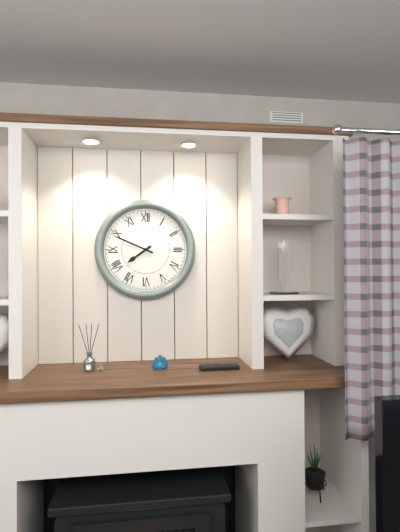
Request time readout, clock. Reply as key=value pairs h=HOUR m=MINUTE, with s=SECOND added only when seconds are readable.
h=7 m=49
